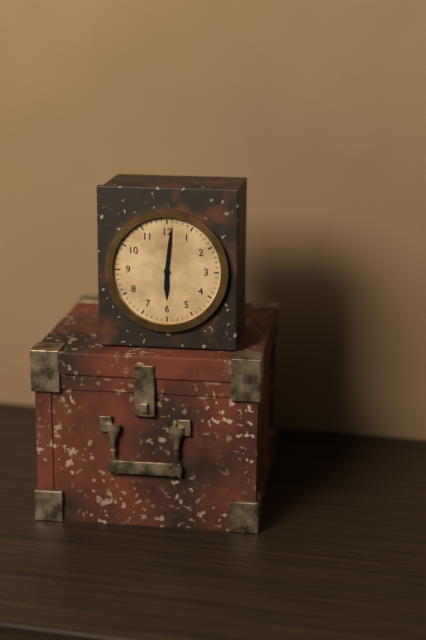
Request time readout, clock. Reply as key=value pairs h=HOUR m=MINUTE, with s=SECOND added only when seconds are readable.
h=6 m=1
